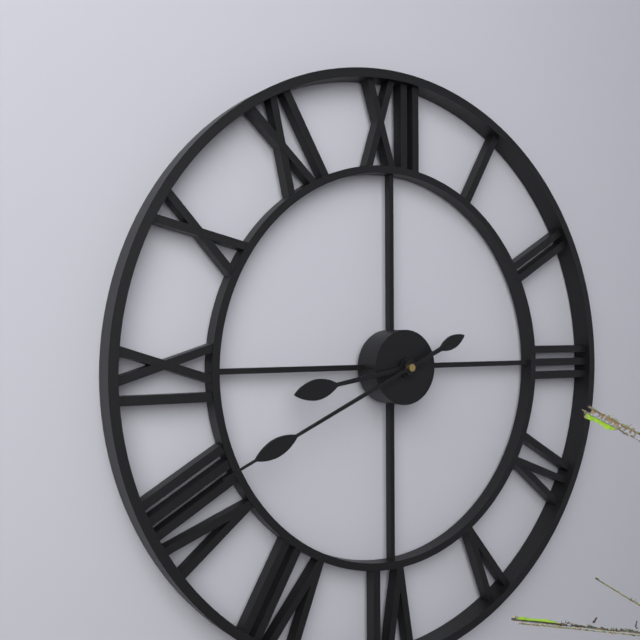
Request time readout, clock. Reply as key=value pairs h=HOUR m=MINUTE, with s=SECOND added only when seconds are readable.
h=8 m=41
